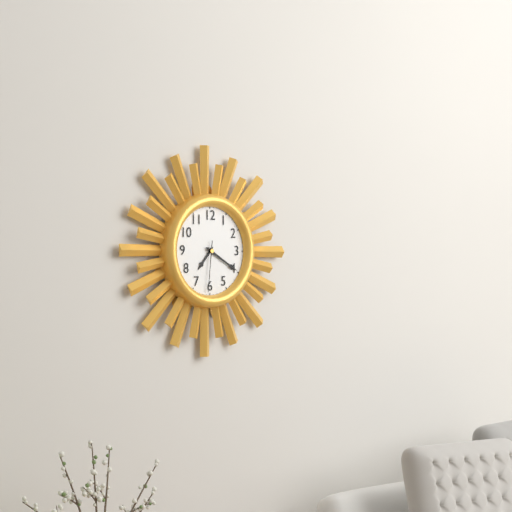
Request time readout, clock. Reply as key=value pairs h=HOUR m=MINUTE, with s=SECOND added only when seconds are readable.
h=7 m=20 s=31
